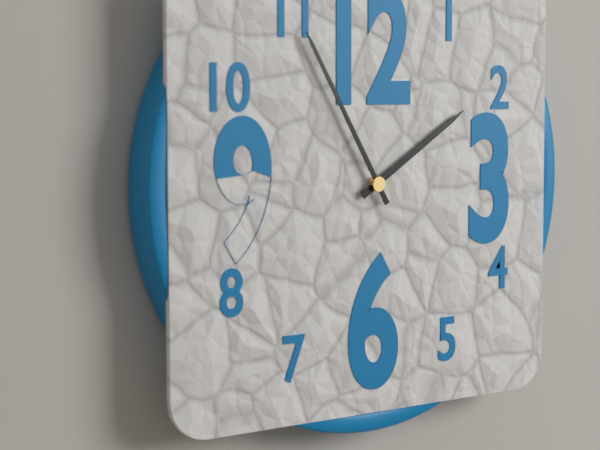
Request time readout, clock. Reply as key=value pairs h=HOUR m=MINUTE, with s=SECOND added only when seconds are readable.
h=1 m=55
